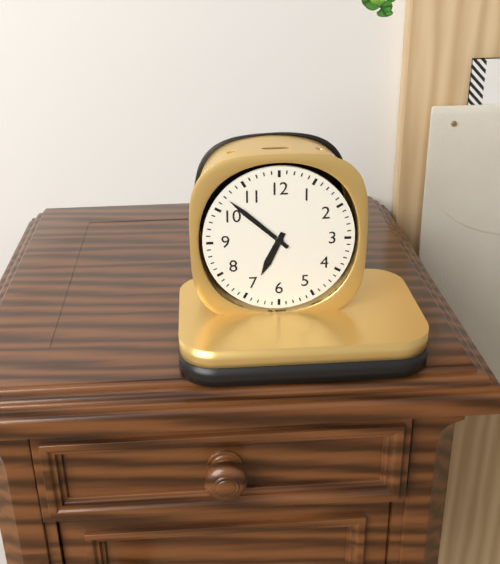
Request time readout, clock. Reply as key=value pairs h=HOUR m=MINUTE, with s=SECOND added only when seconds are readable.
h=6 m=52
